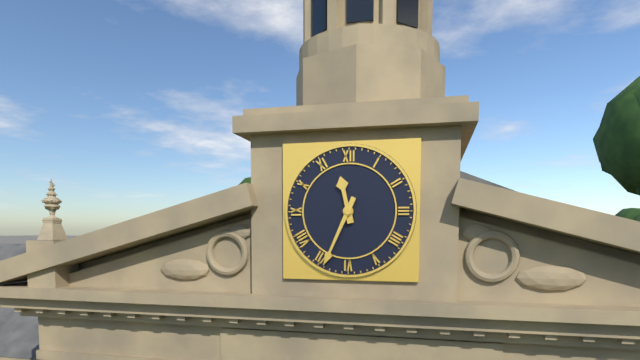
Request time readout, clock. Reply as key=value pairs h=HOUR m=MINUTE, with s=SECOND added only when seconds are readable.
h=11 m=34
